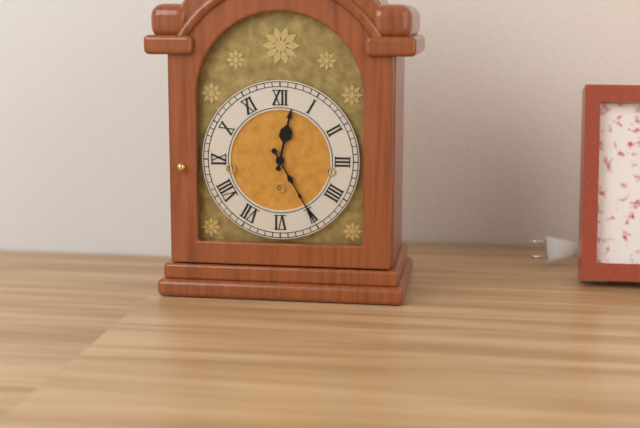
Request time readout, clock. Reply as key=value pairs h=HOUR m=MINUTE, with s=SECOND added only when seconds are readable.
h=12 m=25
